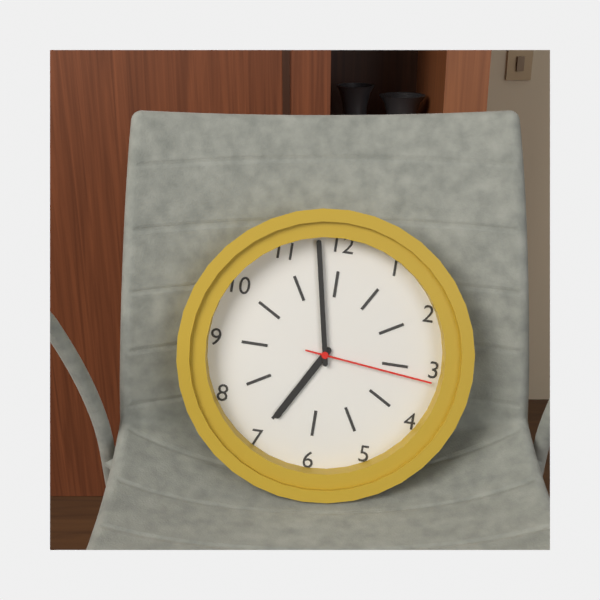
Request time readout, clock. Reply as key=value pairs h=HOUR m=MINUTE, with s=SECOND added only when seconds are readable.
h=6 m=58 s=16
